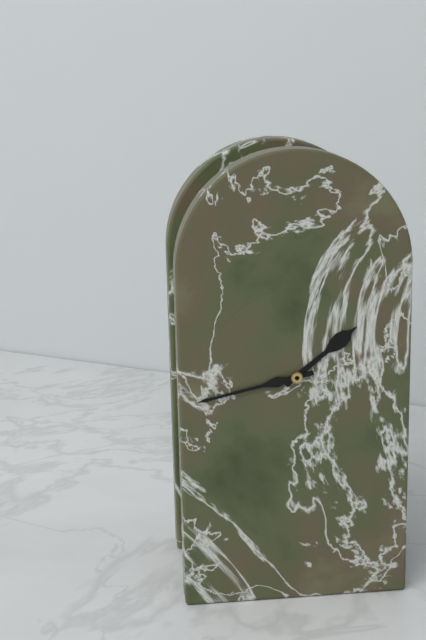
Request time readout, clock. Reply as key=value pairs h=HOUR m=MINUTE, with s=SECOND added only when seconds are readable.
h=1 m=43
